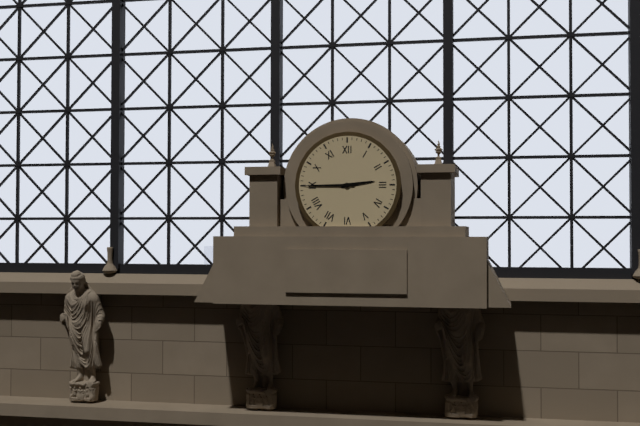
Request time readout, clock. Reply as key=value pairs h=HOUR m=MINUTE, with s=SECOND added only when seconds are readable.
h=2 m=45
